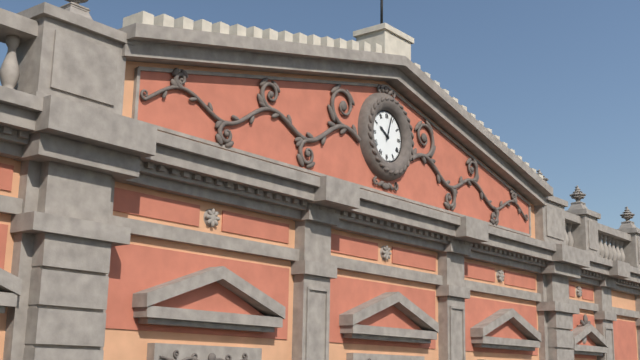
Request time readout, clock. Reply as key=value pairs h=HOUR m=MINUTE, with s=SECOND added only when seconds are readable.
h=10 m=3
